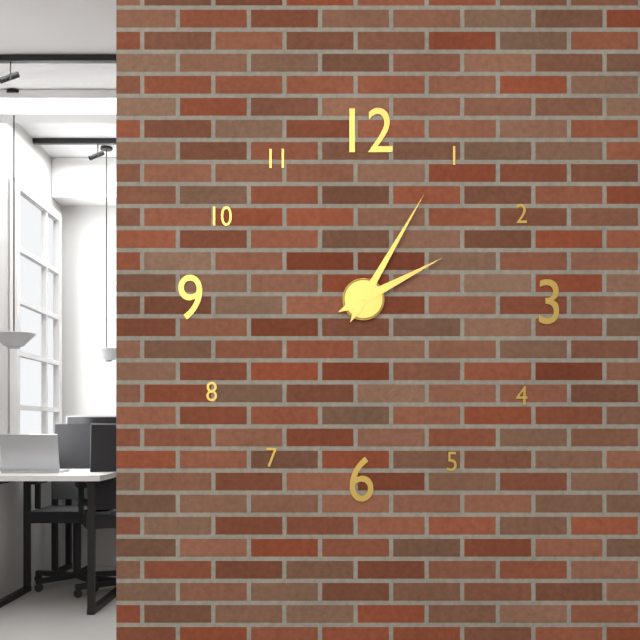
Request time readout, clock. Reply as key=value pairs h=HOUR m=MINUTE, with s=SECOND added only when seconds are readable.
h=2 m=5
